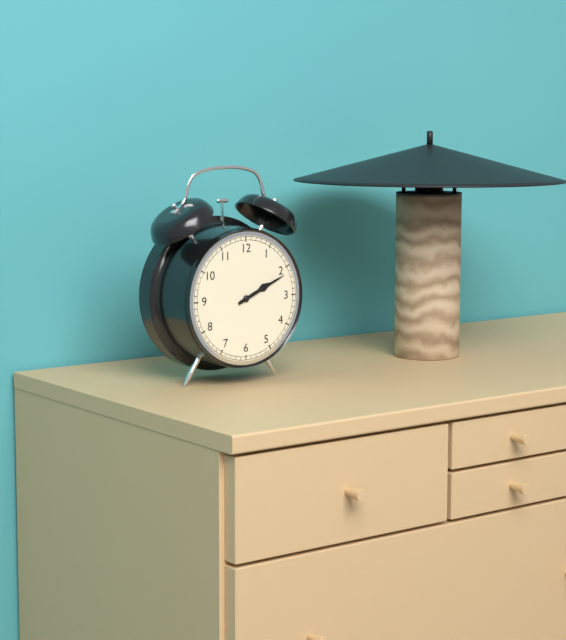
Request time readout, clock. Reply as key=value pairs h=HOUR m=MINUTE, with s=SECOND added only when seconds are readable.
h=2 m=11
